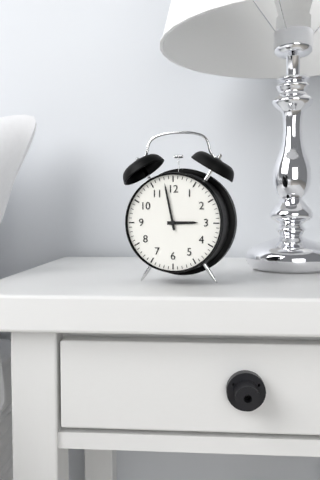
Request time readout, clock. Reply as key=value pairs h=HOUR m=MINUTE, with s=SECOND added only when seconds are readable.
h=2 m=58
